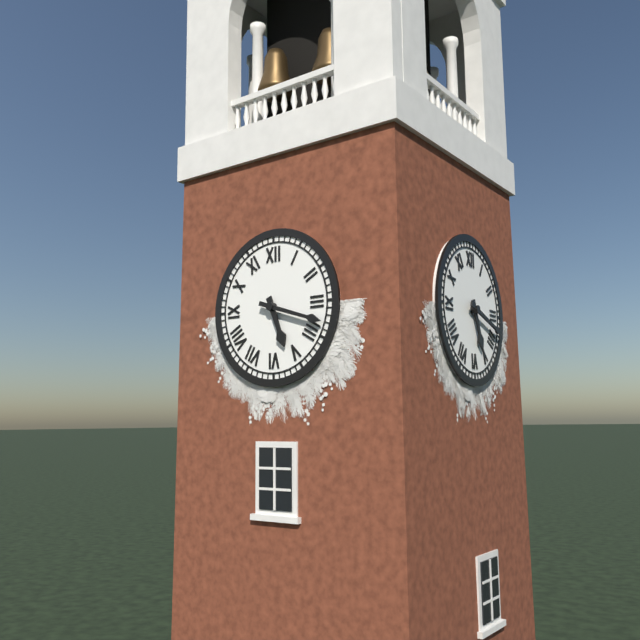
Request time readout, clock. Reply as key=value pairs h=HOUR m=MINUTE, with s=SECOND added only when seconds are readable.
h=5 m=18
